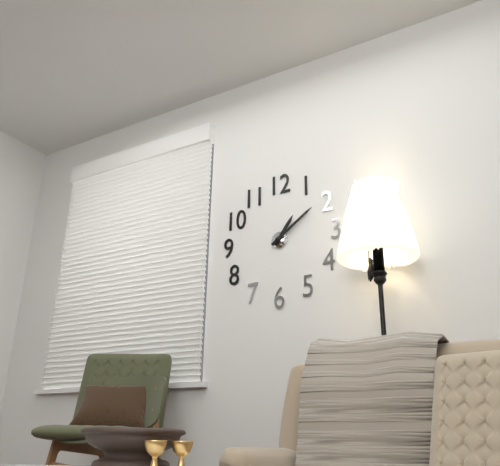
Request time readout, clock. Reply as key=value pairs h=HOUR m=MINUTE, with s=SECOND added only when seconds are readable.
h=1 m=9
